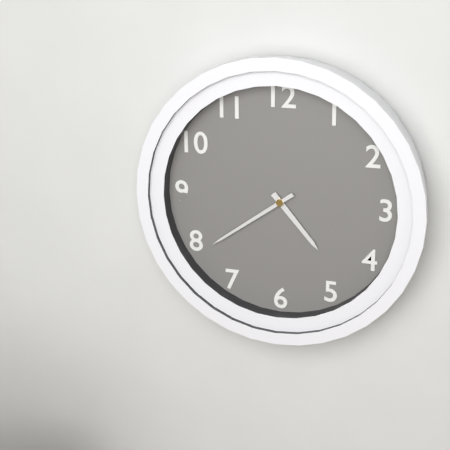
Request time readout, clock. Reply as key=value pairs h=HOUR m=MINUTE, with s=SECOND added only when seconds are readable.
h=4 m=39
